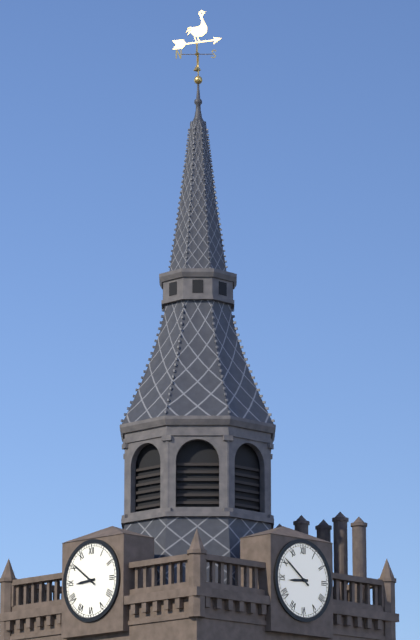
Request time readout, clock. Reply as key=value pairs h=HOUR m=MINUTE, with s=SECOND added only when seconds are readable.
h=8 m=51
